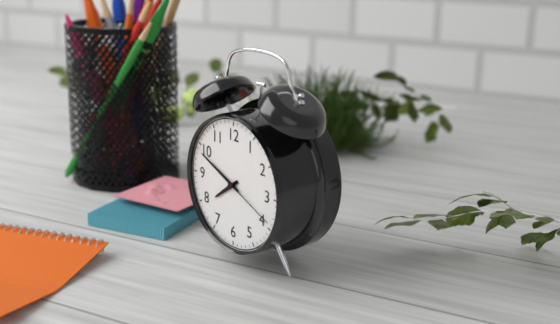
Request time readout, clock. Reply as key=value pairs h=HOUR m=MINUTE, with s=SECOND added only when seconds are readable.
h=7 m=49 s=19
